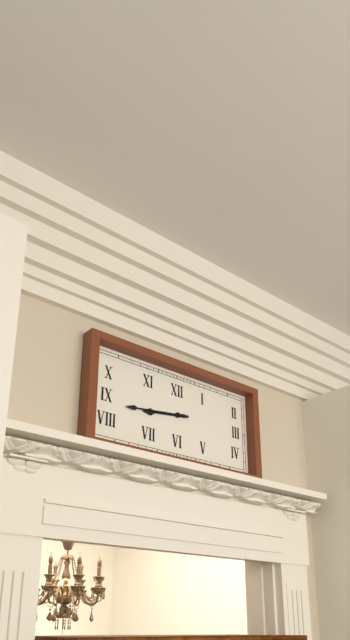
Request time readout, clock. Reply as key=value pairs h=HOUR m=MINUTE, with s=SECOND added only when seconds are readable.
h=8 m=44
